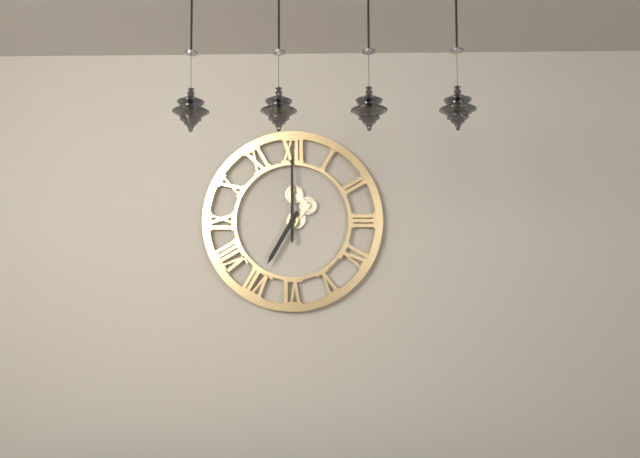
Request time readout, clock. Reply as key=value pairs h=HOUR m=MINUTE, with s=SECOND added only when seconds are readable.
h=7 m=0
